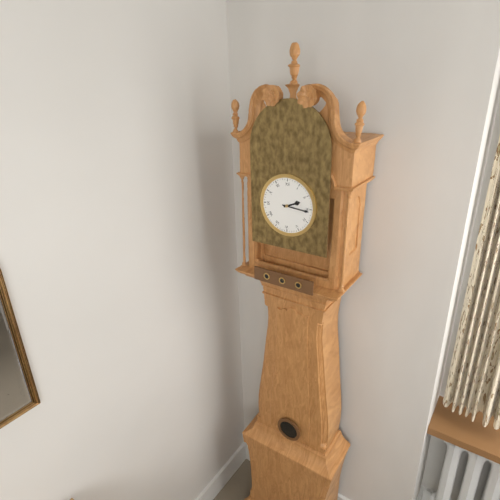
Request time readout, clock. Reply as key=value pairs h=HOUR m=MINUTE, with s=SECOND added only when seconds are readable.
h=2 m=16
